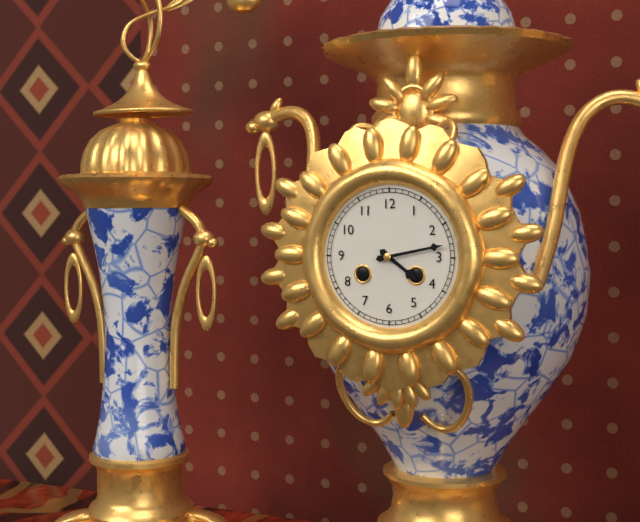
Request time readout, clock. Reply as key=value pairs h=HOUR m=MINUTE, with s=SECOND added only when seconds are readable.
h=4 m=13
